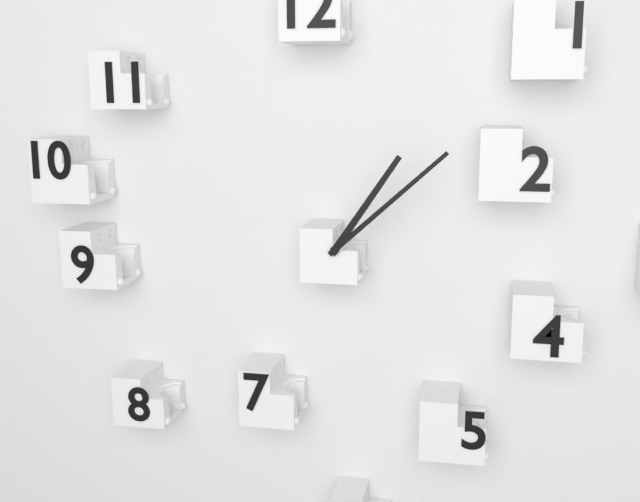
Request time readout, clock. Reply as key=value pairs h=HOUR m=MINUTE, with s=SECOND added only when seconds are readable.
h=1 m=8
